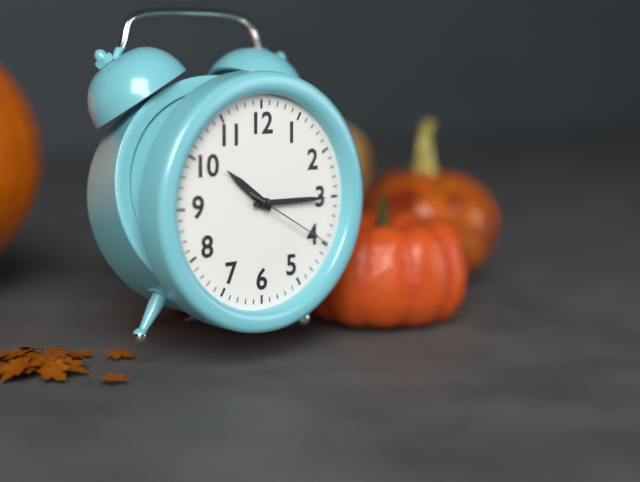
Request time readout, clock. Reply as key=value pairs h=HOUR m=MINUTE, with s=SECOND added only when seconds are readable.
h=10 m=15 s=20
